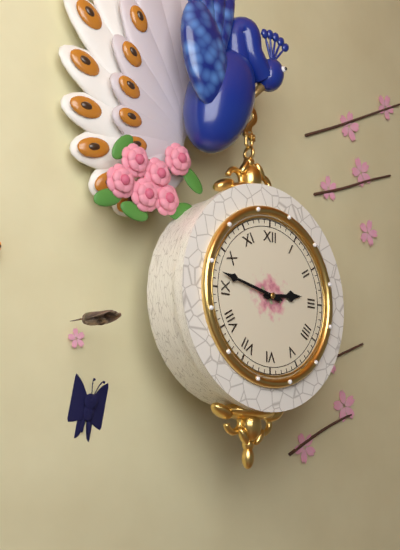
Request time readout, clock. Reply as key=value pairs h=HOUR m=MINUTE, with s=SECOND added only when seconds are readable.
h=2 m=47
